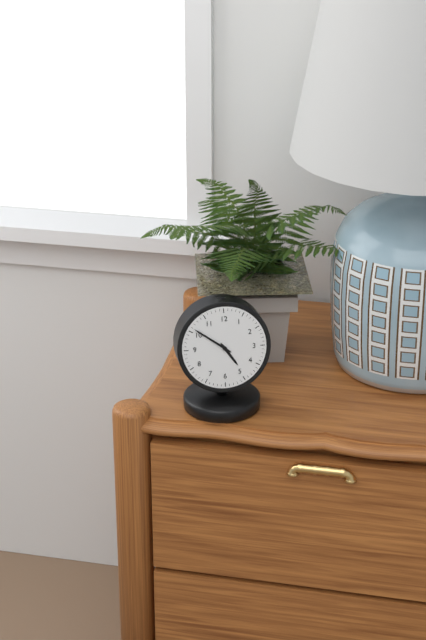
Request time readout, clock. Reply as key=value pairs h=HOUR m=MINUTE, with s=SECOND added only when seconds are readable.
h=4 m=51
